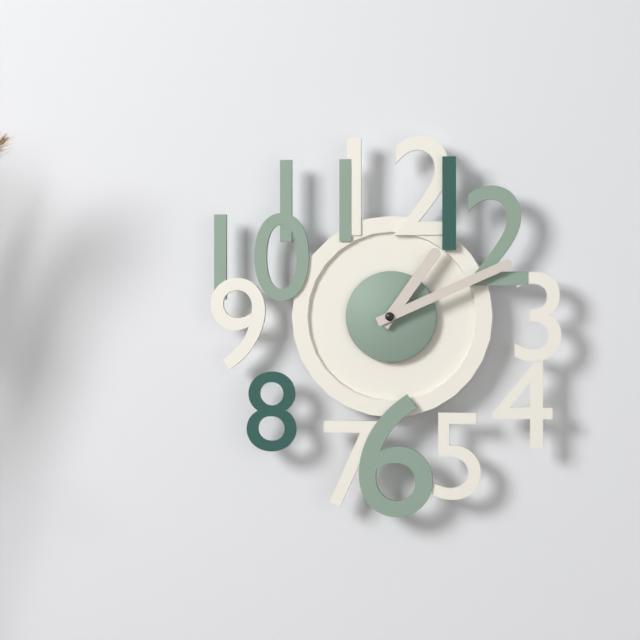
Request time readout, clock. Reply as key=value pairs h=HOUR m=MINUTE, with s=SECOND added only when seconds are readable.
h=1 m=11
